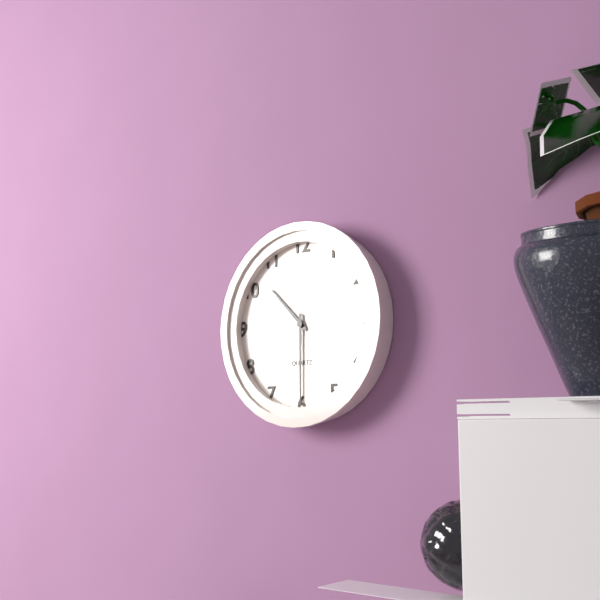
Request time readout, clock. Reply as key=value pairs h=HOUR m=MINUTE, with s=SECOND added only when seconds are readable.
h=10 m=30
